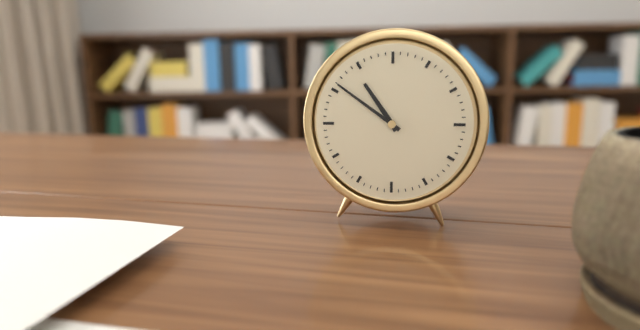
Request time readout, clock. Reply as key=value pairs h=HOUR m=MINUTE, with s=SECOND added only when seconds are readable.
h=10 m=51
